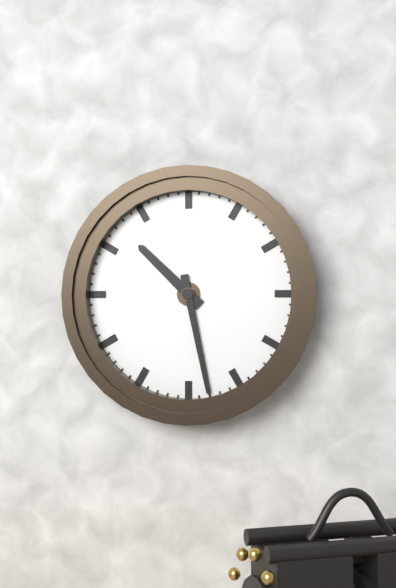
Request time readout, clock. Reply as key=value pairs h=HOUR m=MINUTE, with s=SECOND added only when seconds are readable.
h=10 m=28
